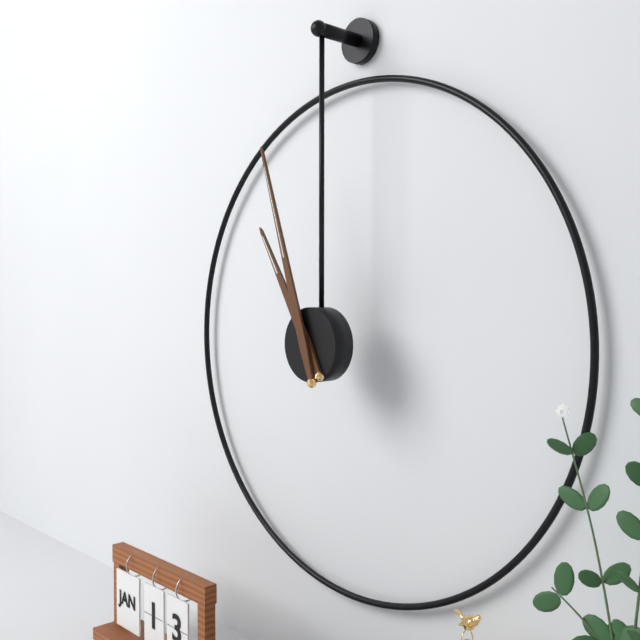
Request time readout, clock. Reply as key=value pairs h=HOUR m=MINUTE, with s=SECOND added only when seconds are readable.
h=10 m=57
